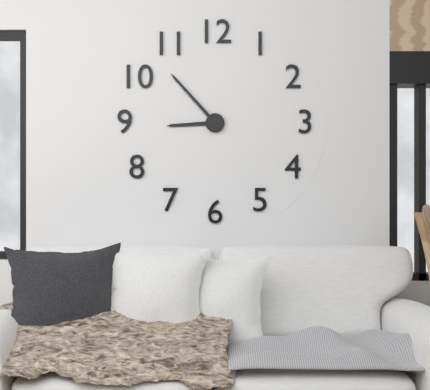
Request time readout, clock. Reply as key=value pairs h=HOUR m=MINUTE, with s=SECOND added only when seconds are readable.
h=8 m=53
